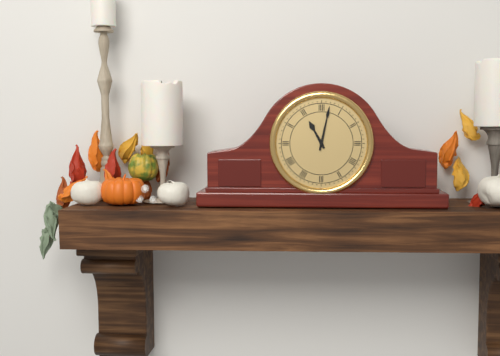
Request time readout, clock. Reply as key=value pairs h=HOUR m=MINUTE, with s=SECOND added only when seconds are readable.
h=11 m=2
